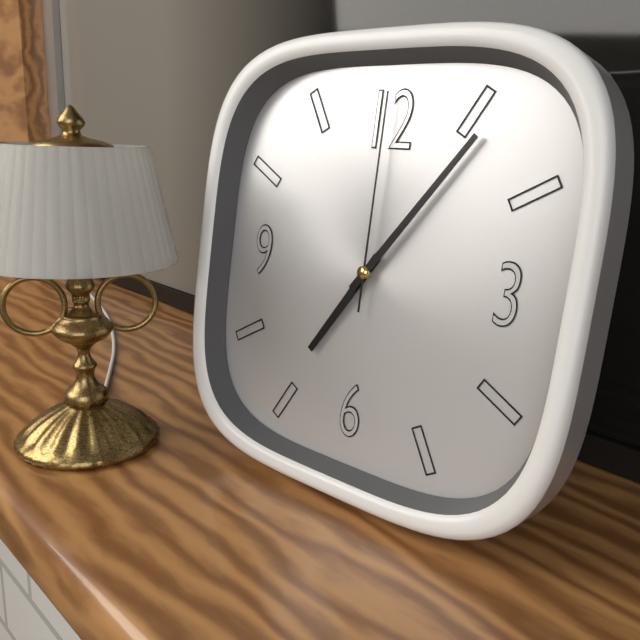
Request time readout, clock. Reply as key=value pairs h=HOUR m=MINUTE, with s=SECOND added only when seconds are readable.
h=7 m=6 s=0
